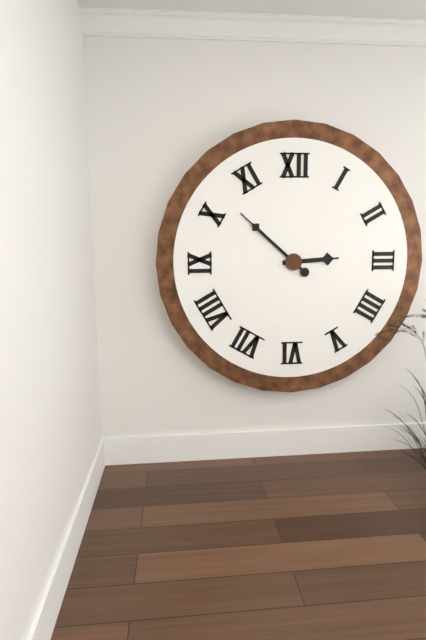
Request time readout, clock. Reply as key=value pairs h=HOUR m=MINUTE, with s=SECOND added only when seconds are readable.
h=2 m=52
